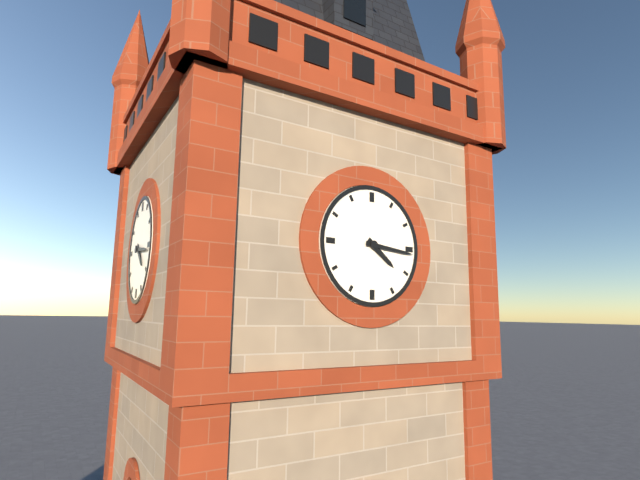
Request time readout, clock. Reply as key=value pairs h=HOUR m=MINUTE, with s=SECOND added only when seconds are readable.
h=4 m=16
